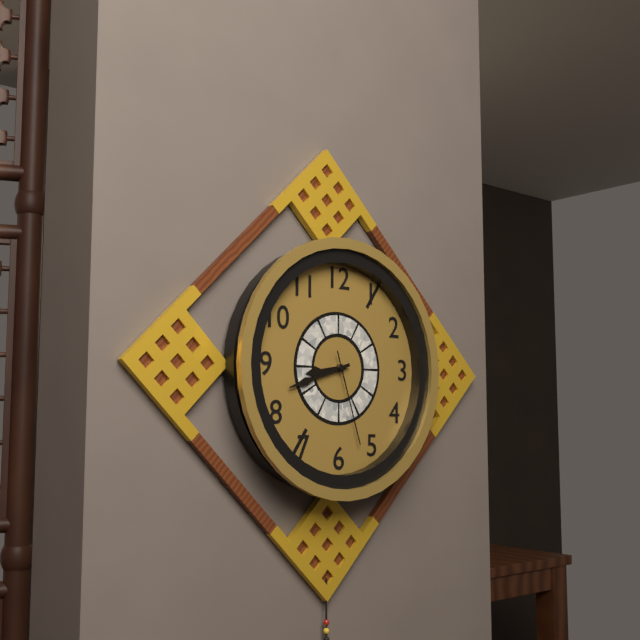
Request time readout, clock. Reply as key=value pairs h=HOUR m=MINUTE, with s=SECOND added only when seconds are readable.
h=8 m=42 s=27
